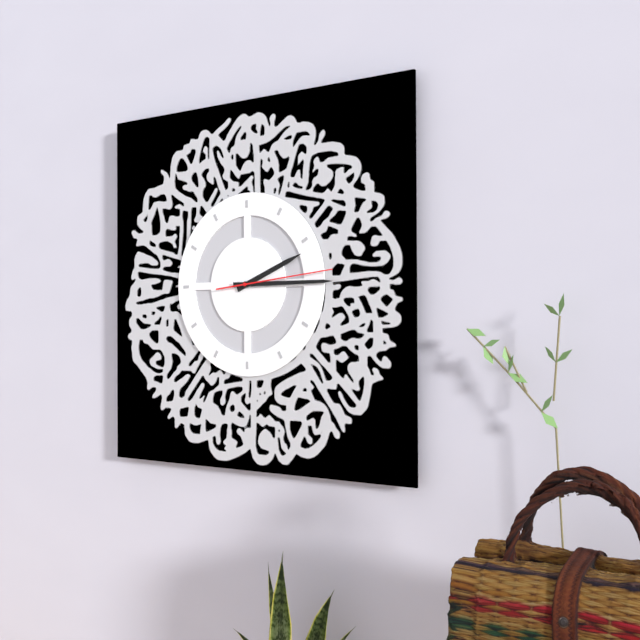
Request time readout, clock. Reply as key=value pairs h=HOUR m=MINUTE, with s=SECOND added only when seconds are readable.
h=2 m=15 s=14
